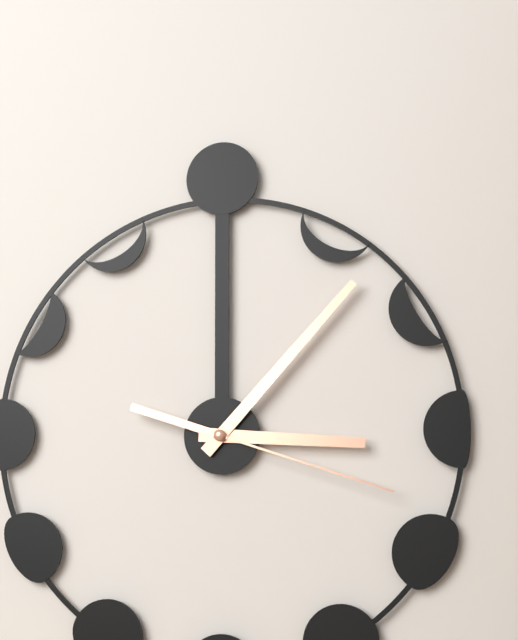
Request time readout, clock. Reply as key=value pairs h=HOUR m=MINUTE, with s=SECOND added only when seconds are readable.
h=3 m=7 s=18
